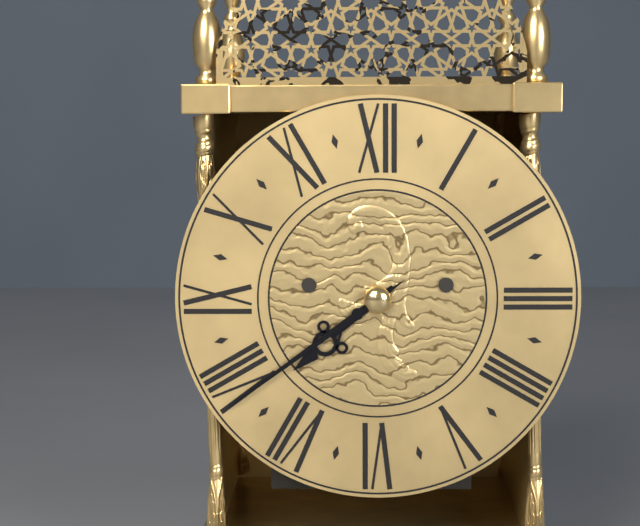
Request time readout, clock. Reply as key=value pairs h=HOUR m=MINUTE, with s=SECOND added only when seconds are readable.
h=7 m=39
